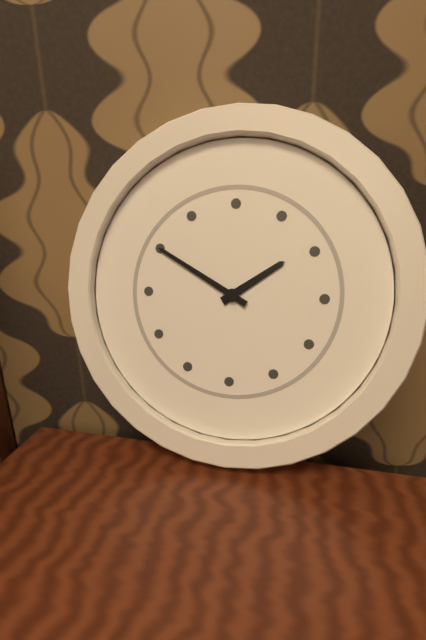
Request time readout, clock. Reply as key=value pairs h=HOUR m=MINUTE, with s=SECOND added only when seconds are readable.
h=1 m=50
